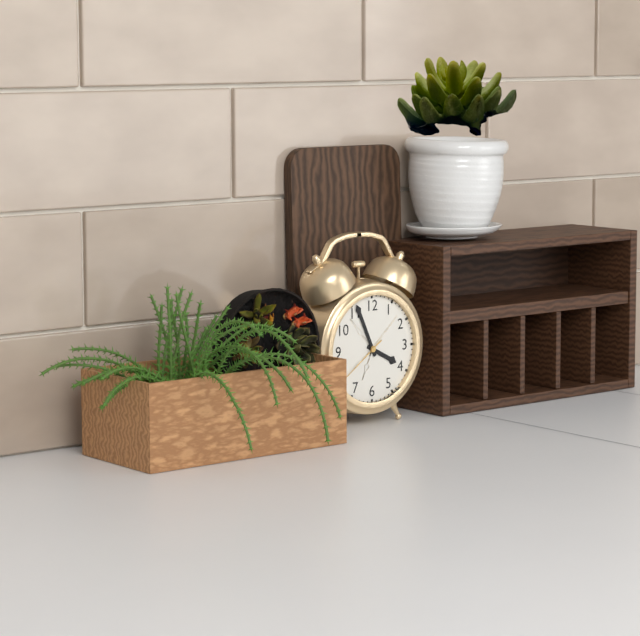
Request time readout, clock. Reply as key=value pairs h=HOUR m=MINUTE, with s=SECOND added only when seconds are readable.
h=3 m=56 s=39
